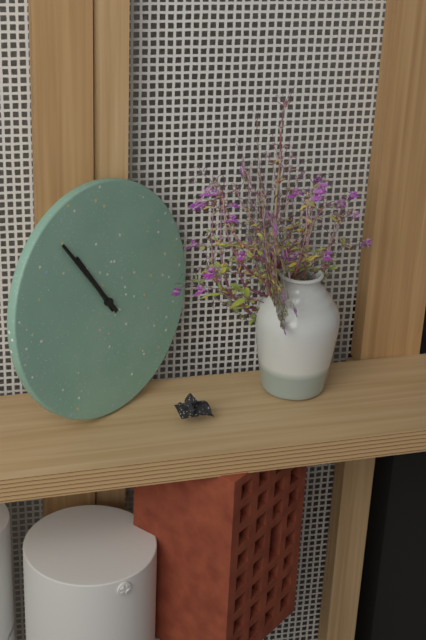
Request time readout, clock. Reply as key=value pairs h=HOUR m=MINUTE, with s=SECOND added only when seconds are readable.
h=10 m=54
